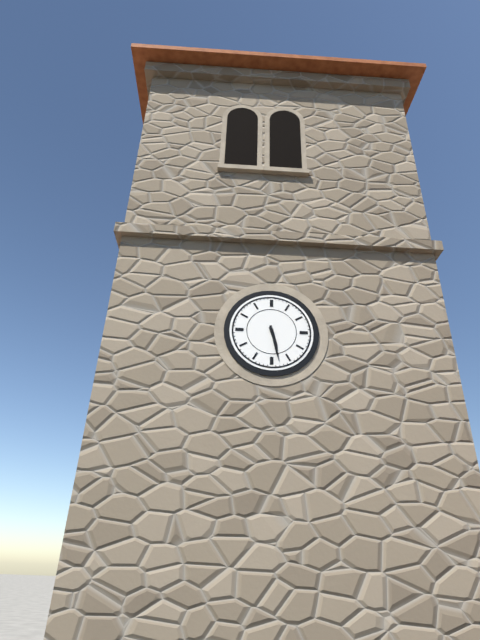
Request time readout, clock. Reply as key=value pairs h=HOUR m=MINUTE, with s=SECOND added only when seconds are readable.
h=5 m=28
